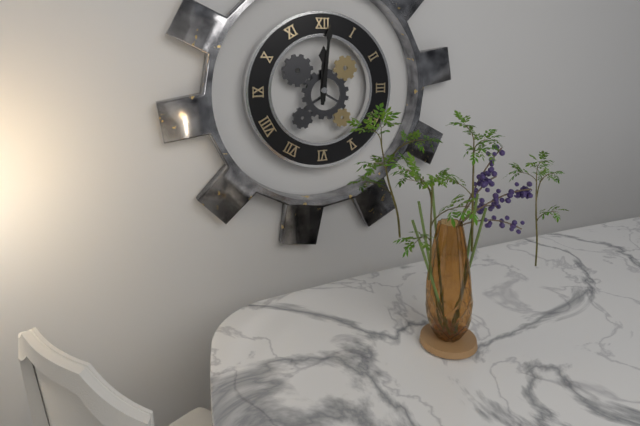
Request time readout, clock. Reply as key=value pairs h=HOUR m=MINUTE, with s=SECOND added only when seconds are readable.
h=12 m=1
